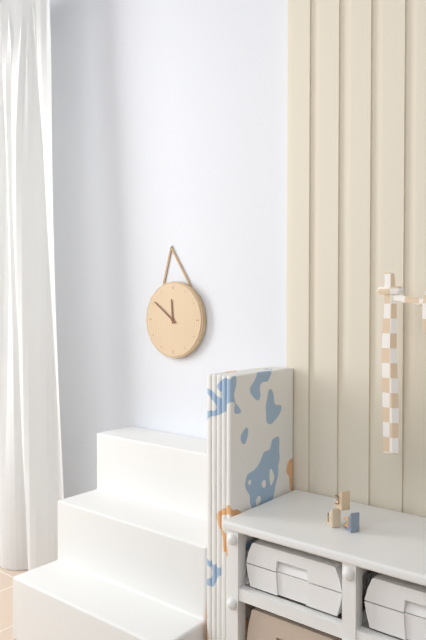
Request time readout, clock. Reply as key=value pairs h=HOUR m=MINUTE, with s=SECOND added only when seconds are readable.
h=11 m=51
